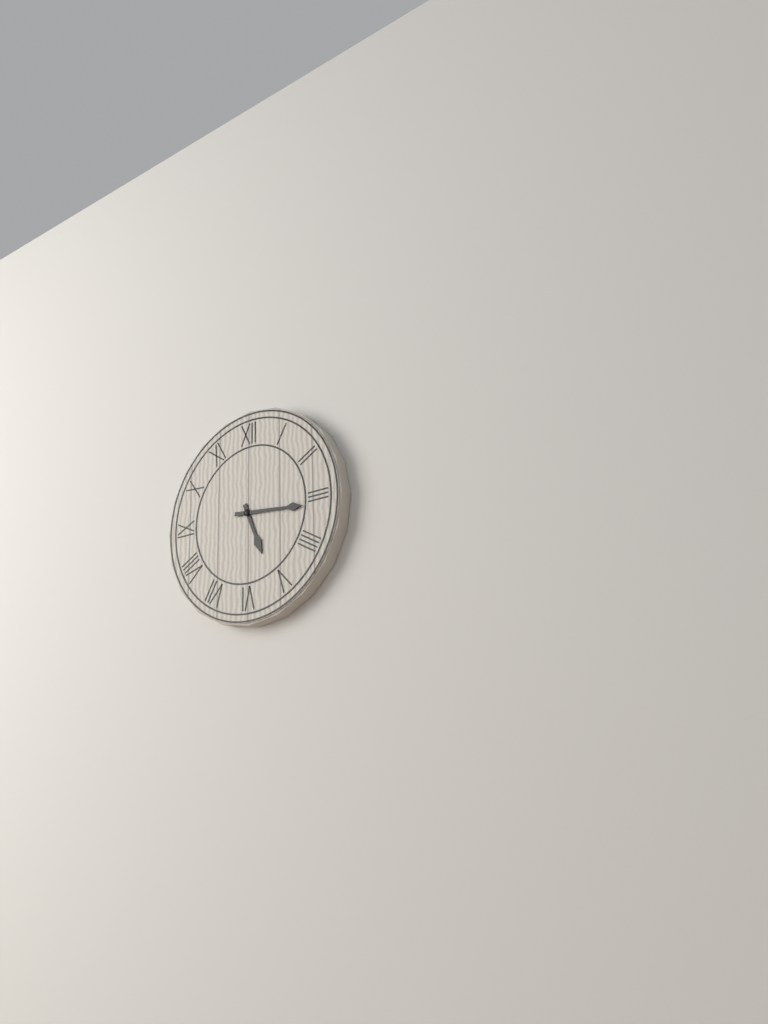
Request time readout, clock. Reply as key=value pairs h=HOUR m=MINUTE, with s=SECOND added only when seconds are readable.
h=5 m=16
